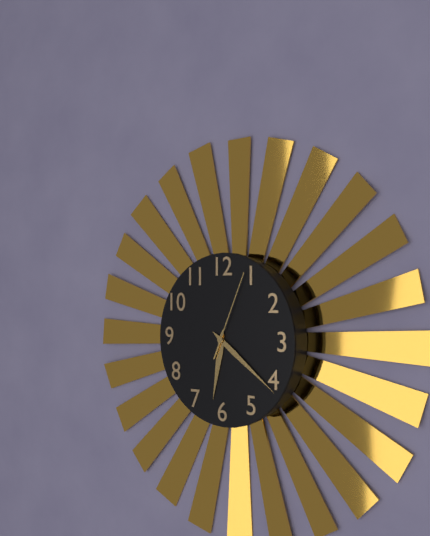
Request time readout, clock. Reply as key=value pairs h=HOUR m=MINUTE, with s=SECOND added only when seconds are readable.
h=6 m=21 s=4
